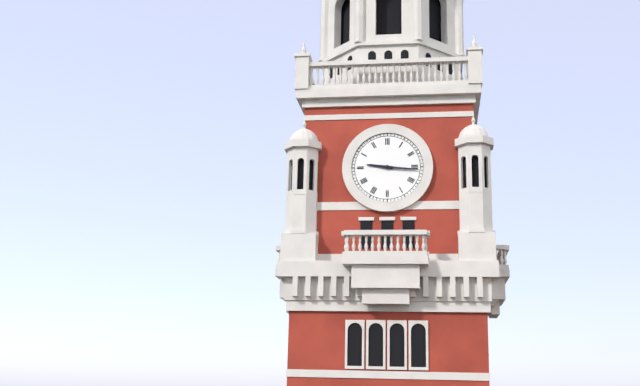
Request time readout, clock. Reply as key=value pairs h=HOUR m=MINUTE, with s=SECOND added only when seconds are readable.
h=9 m=16
